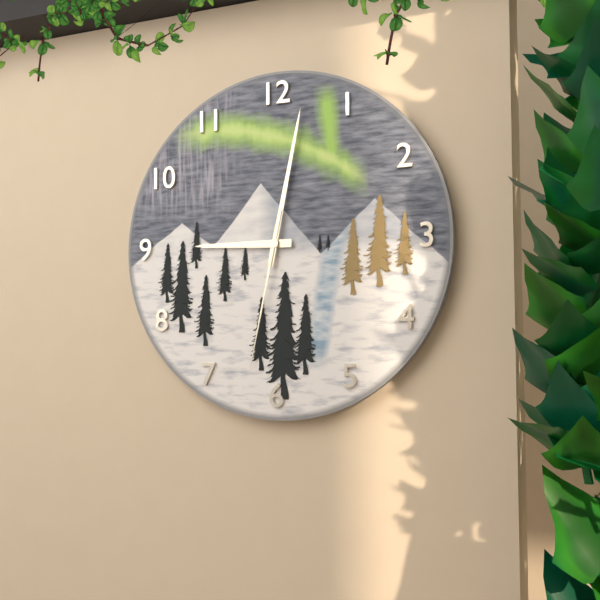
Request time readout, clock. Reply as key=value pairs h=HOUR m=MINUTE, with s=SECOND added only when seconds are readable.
h=9 m=2 s=32
